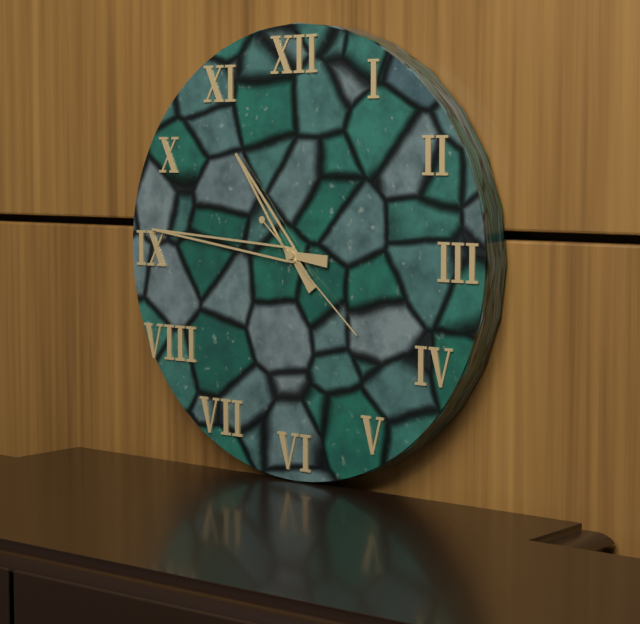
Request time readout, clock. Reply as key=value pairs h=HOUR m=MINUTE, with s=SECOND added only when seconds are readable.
h=10 m=46 s=22
